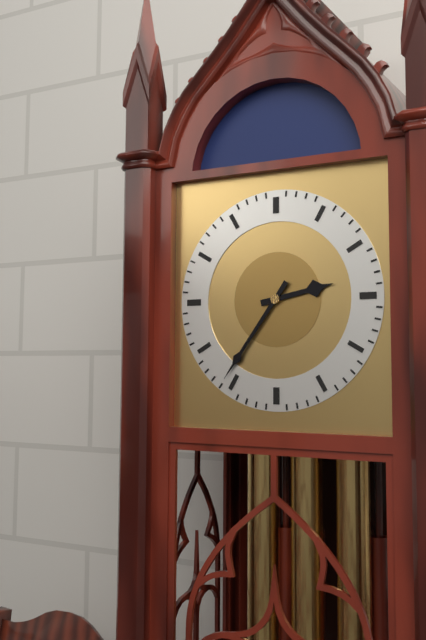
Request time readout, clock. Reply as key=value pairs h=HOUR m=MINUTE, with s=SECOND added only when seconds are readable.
h=2 m=36
